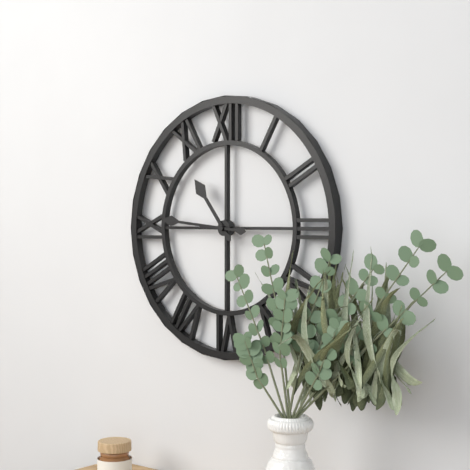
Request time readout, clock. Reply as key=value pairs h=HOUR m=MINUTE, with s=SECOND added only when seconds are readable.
h=10 m=46
